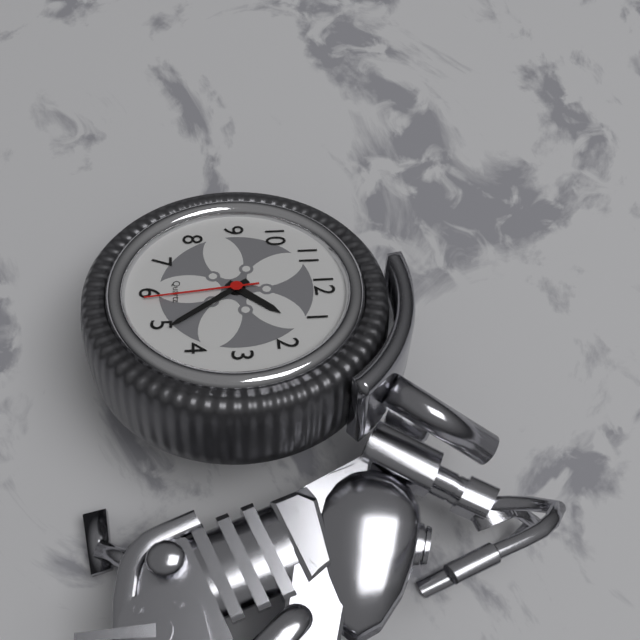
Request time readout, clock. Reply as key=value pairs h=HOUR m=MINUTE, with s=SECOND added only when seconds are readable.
h=1 m=24 s=29
